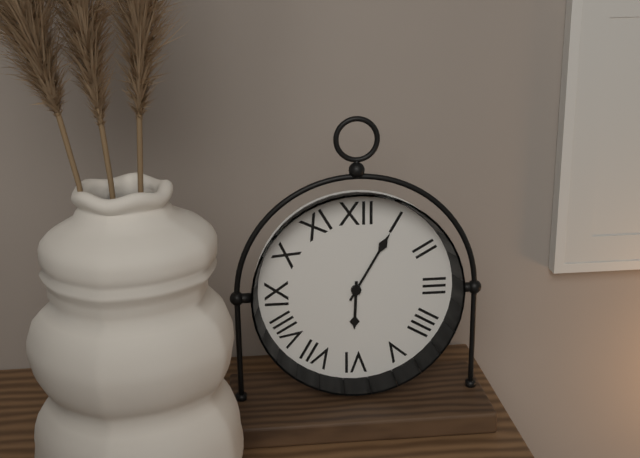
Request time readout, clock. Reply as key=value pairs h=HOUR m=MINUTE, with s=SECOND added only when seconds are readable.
h=6 m=5
